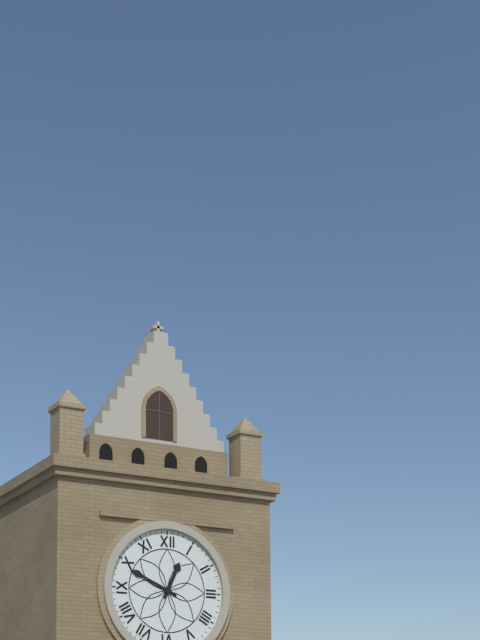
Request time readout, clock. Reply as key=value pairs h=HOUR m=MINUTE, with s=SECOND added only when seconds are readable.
h=12 m=49
